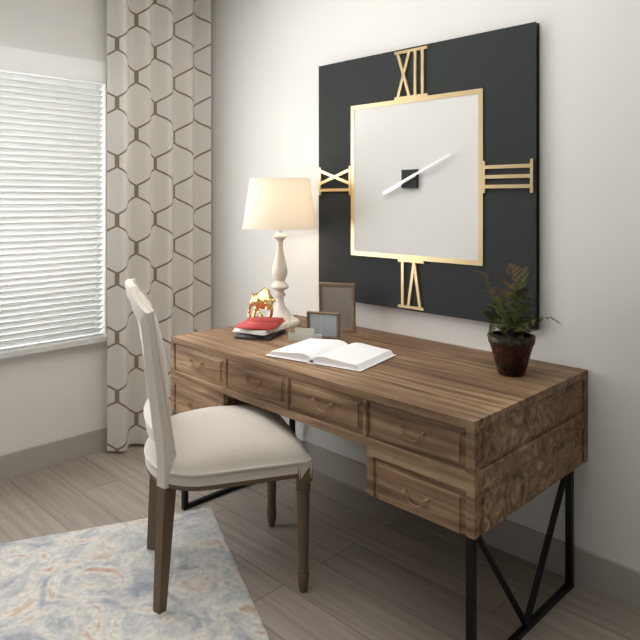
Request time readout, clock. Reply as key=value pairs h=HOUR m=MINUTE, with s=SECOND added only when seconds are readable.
h=8 m=11
